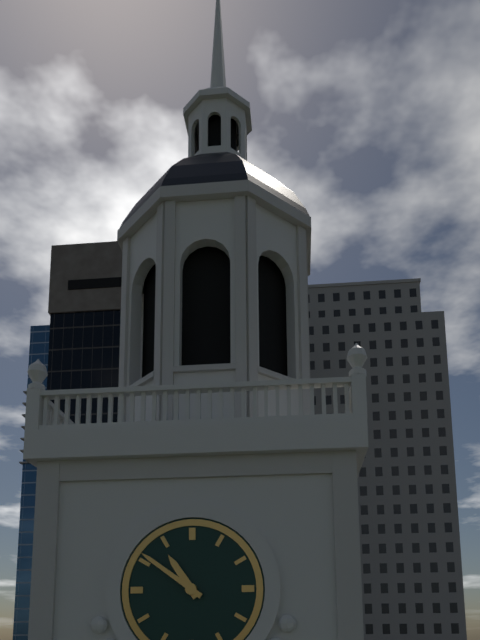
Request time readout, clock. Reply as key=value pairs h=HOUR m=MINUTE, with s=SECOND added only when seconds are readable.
h=10 m=51
